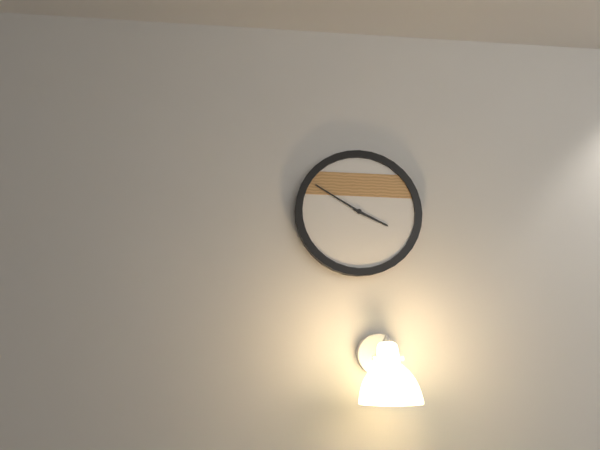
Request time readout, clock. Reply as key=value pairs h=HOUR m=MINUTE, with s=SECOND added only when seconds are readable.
h=3 m=50
